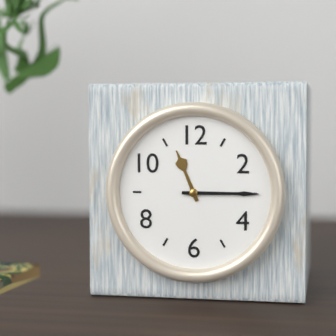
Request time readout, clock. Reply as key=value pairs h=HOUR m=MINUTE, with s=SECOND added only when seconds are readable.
h=11 m=15
